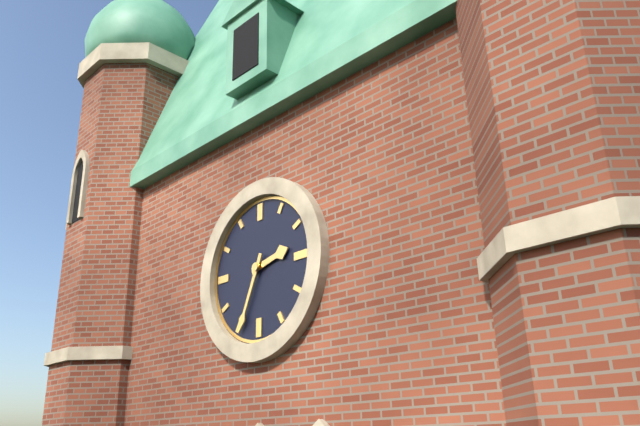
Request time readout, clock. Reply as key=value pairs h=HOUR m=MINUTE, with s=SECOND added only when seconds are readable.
h=2 m=34
